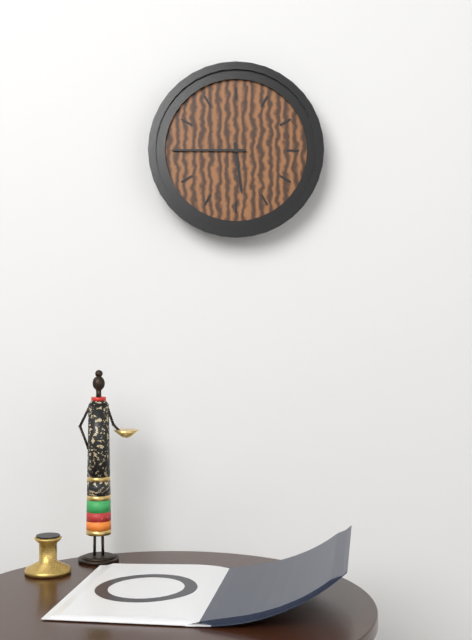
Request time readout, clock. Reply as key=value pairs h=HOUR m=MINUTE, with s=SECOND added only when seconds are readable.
h=5 m=45
